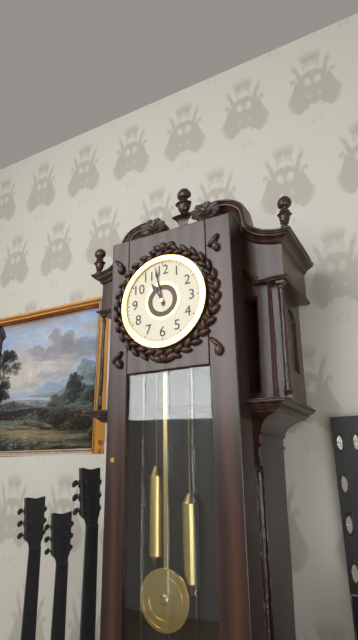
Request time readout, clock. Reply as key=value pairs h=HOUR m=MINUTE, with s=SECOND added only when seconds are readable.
h=10 m=58
